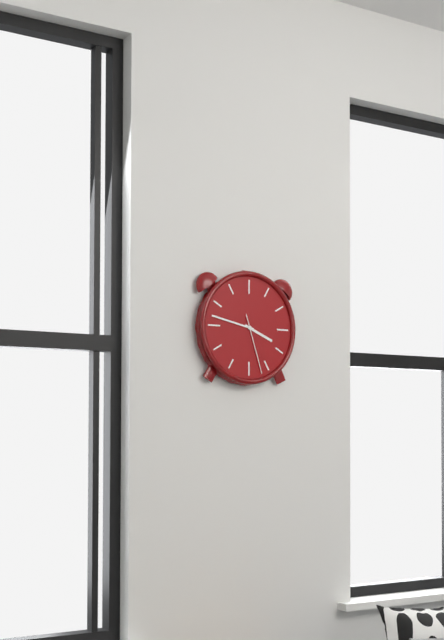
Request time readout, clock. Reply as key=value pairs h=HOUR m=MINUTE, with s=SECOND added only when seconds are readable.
h=3 m=47 s=27
